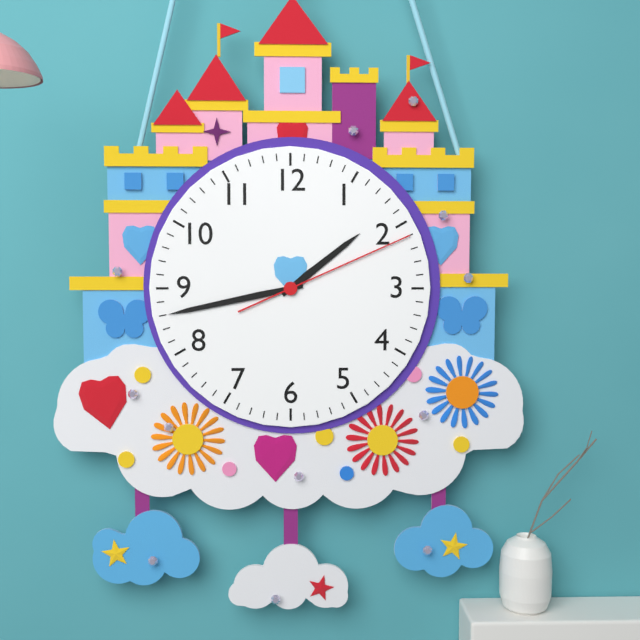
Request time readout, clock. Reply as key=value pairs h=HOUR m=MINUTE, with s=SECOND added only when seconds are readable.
h=1 m=43 s=11
